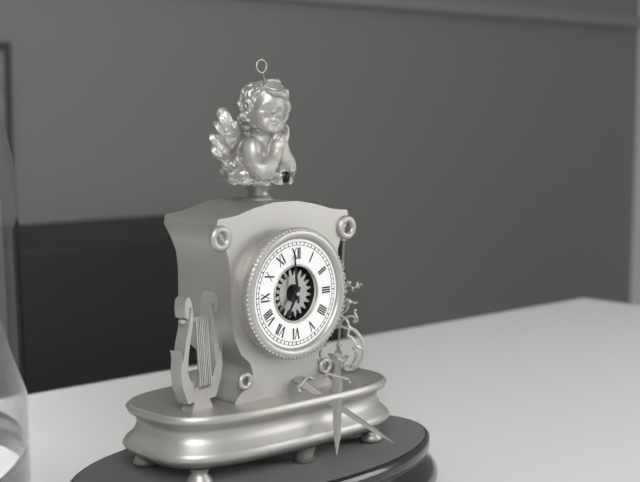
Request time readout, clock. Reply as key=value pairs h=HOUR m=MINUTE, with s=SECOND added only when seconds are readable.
h=6 m=59
